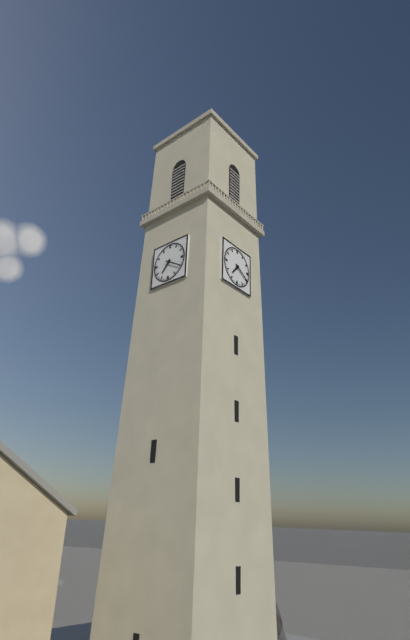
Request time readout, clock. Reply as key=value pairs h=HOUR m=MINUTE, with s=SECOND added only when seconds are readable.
h=7 m=20
